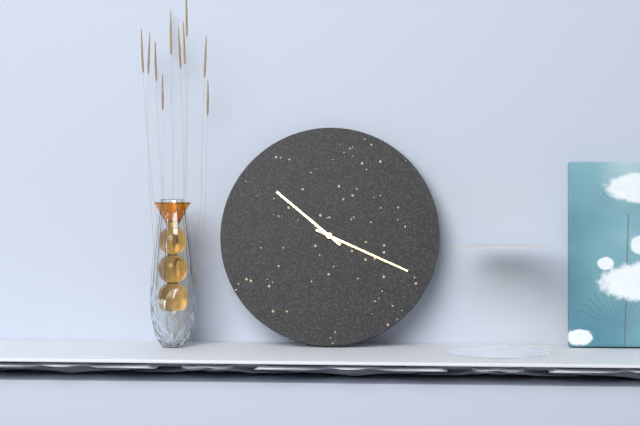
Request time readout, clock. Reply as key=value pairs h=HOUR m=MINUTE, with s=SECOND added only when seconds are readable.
h=10 m=19
